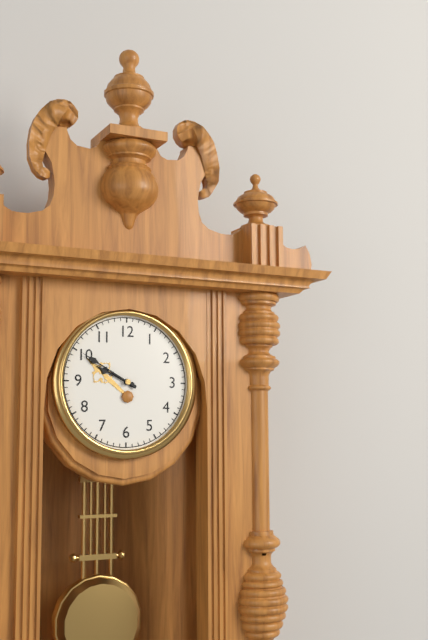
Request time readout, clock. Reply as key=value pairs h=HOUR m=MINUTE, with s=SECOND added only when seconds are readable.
h=9 m=50
